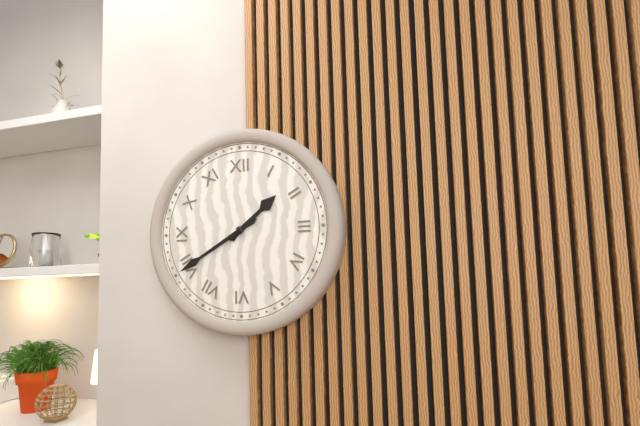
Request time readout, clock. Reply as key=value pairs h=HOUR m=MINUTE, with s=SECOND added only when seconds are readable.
h=1 m=40
